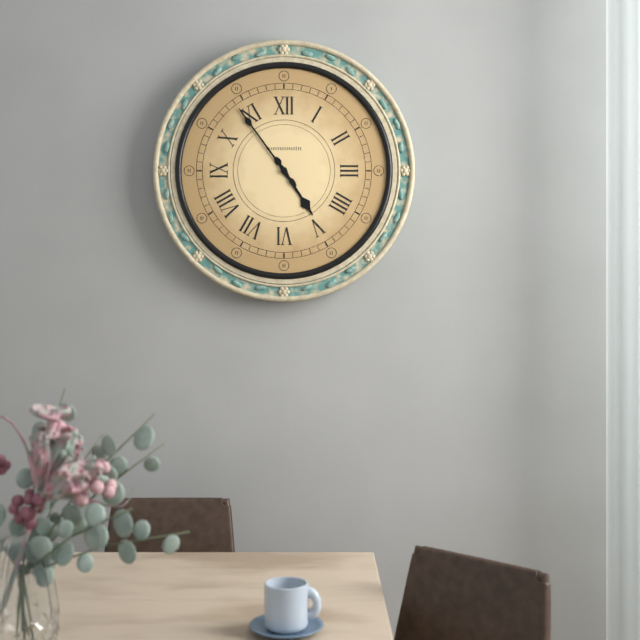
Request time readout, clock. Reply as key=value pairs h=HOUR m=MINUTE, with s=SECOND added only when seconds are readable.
h=4 m=54
